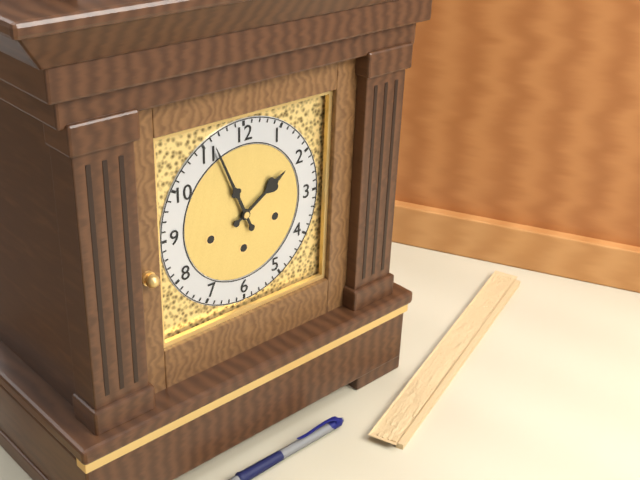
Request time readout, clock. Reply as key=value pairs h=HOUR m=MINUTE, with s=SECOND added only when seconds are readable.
h=1 m=56
